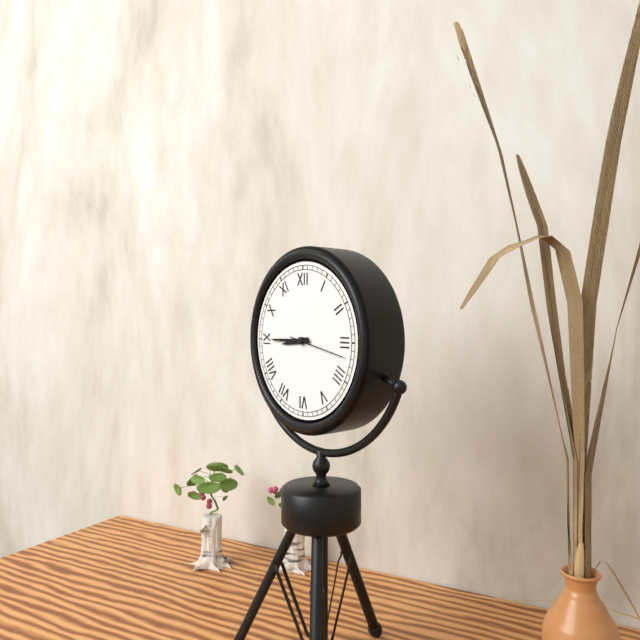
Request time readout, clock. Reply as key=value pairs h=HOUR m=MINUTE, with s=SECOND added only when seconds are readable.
h=8 m=45
